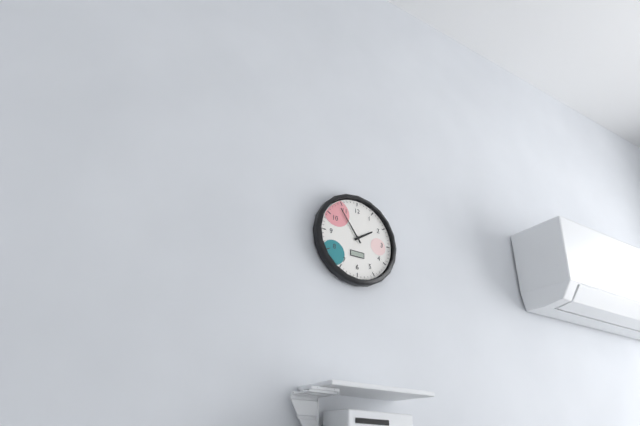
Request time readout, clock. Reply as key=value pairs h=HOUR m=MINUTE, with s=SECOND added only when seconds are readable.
h=1 m=54
